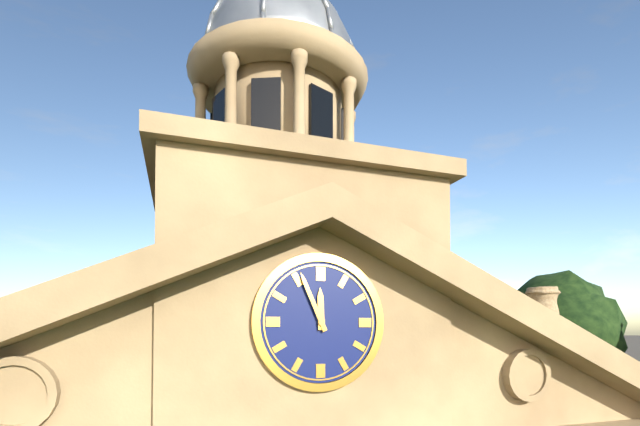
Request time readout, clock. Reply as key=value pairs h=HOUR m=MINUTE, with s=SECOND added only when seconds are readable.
h=11 m=56
